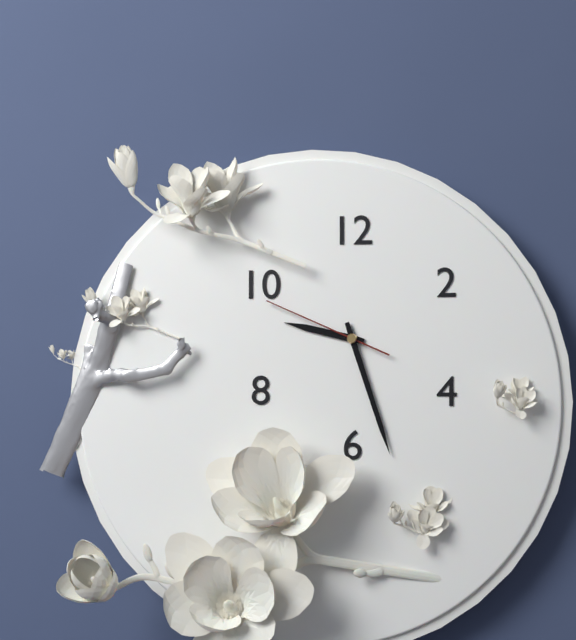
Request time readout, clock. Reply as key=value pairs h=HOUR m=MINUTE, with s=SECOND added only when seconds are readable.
h=9 m=27 s=49
